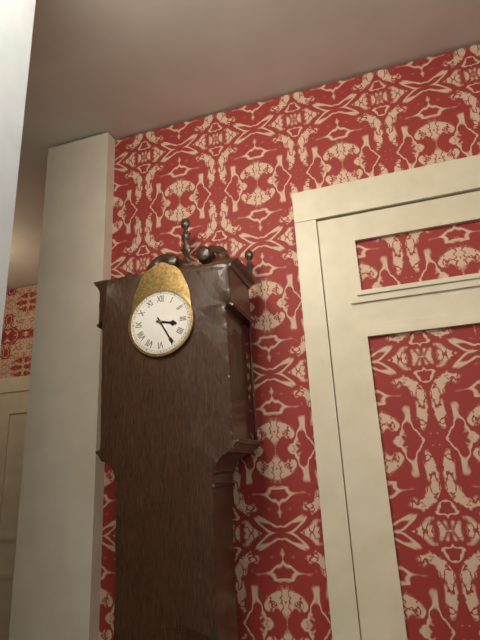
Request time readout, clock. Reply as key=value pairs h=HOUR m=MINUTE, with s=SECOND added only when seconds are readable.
h=3 m=25
